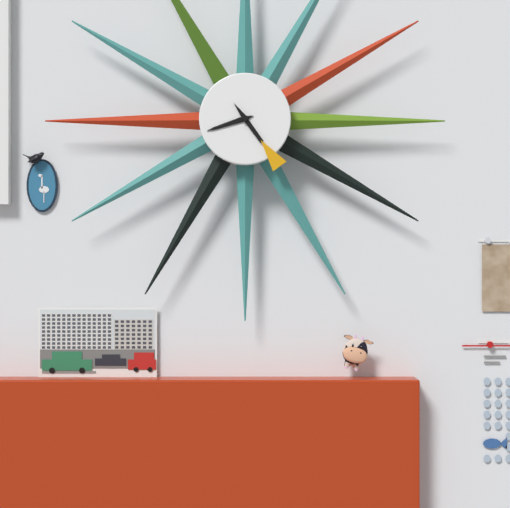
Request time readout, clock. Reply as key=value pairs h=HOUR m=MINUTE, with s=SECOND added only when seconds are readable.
h=8 m=24
